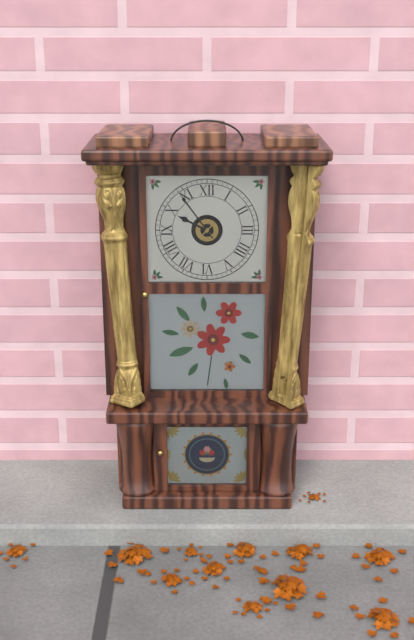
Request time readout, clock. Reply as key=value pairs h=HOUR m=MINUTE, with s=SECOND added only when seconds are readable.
h=9 m=54
